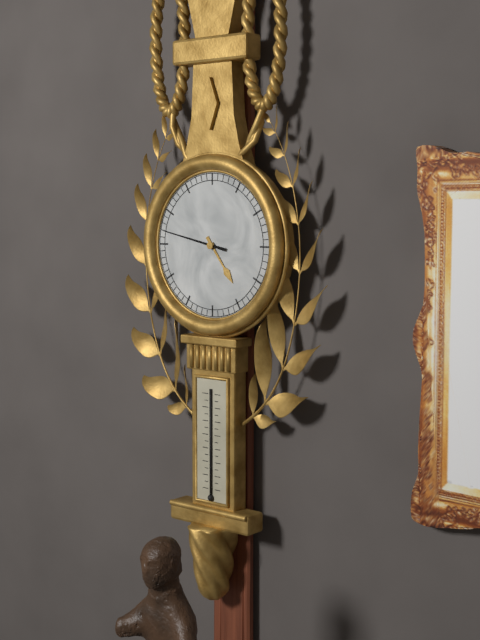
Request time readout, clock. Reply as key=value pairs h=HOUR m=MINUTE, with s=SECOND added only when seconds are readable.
h=4 m=47
